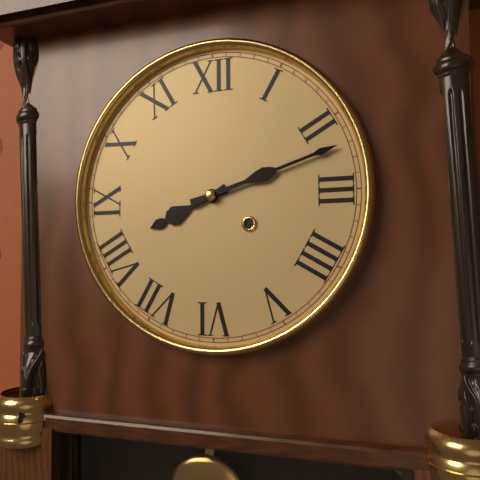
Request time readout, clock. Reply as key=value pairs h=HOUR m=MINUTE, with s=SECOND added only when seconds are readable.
h=8 m=12
